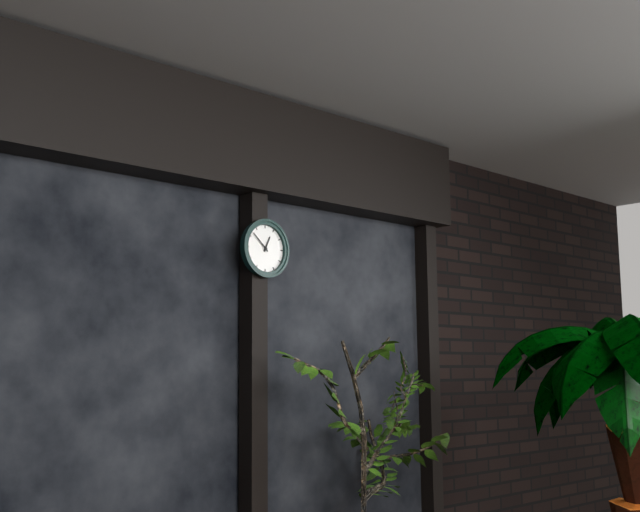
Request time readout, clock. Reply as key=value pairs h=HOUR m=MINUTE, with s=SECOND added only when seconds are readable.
h=12 m=52
